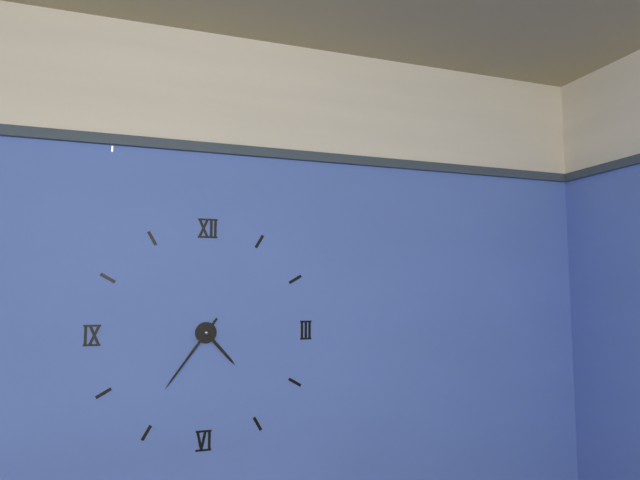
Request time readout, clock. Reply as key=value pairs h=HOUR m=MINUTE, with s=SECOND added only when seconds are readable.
h=4 m=36
